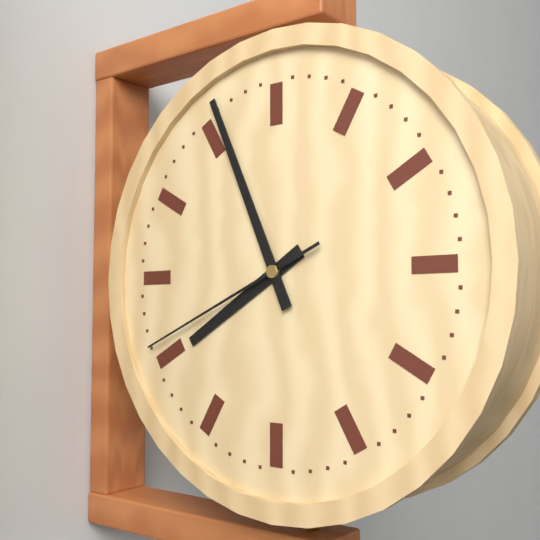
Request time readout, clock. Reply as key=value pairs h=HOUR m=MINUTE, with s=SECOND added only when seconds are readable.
h=7 m=56 s=41
